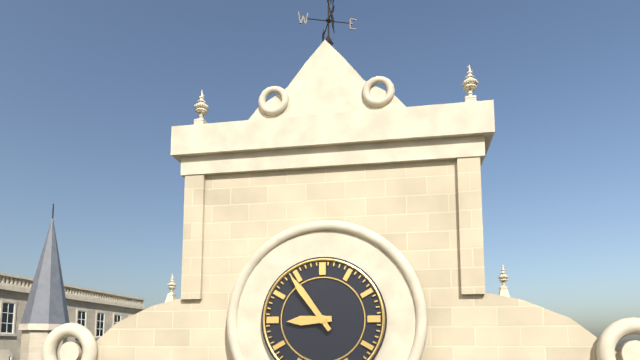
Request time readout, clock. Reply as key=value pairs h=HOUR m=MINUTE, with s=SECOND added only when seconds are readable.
h=8 m=54
